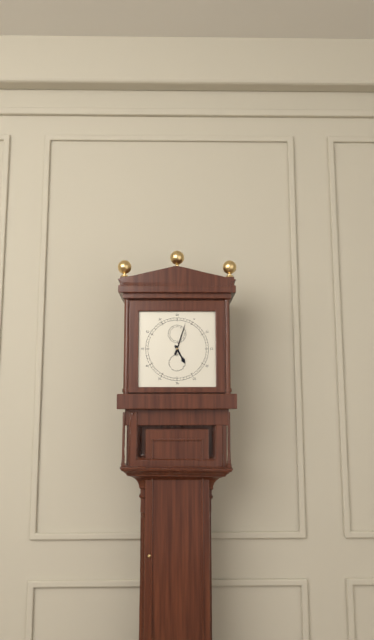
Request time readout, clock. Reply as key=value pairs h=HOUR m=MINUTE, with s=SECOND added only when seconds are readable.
h=5 m=3
